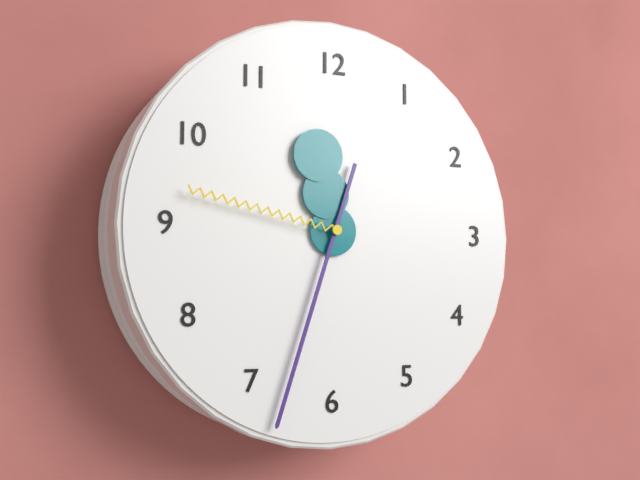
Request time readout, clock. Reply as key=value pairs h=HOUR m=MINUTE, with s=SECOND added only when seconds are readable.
h=11 m=33 s=47
